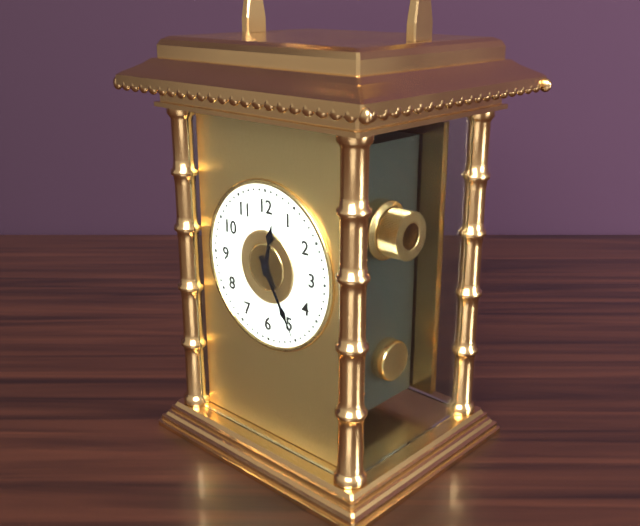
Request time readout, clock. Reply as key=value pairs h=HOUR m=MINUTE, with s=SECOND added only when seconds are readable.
h=12 m=25
